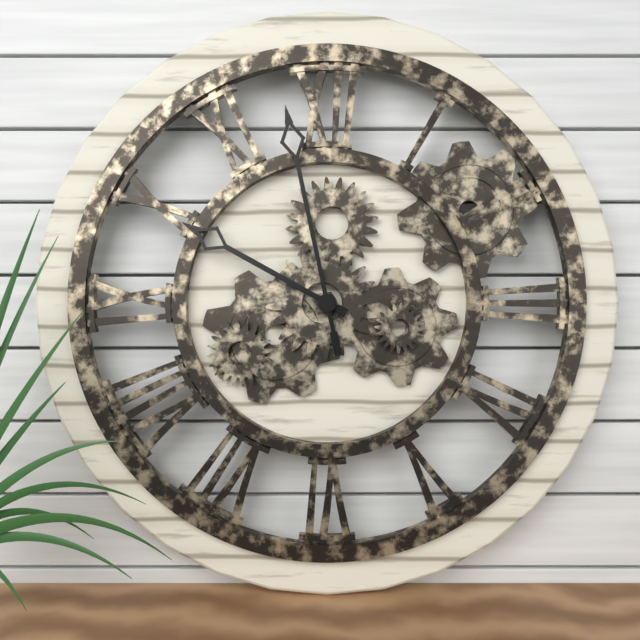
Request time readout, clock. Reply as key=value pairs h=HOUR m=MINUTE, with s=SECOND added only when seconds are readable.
h=9 m=58
